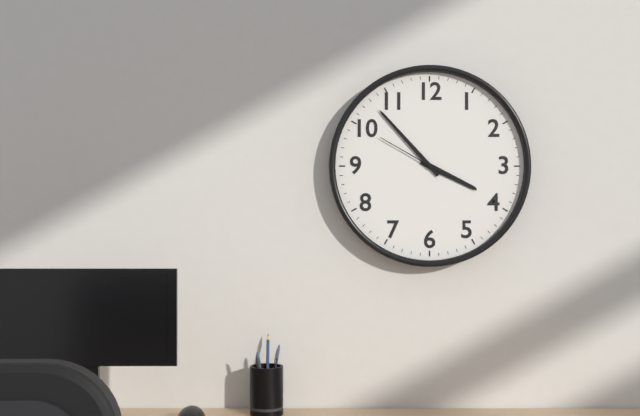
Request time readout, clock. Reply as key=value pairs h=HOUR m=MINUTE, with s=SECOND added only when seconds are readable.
h=3 m=53 s=50
